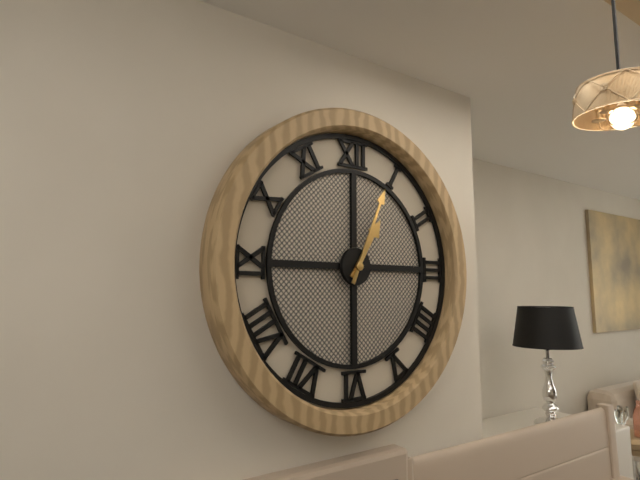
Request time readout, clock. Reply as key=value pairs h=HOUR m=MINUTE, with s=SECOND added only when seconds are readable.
h=1 m=4
